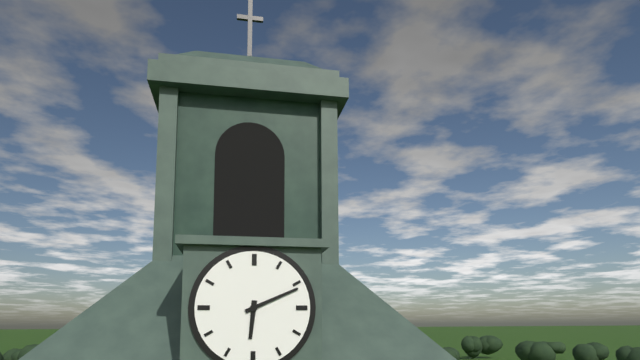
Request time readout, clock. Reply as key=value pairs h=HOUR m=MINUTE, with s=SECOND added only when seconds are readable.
h=6 m=11
